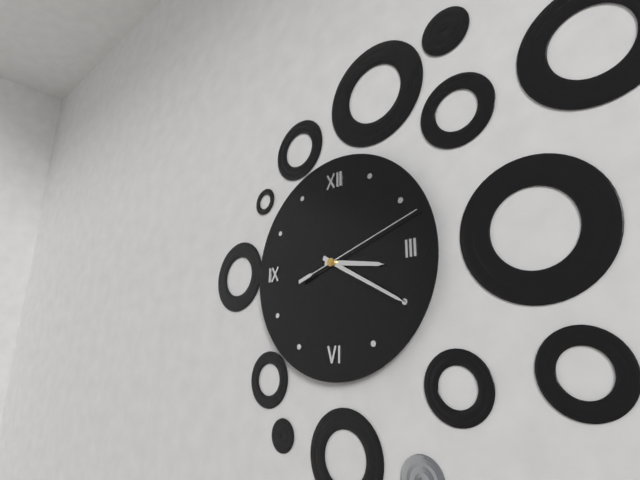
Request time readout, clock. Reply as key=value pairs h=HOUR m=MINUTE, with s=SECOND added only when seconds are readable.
h=3 m=20 s=12
